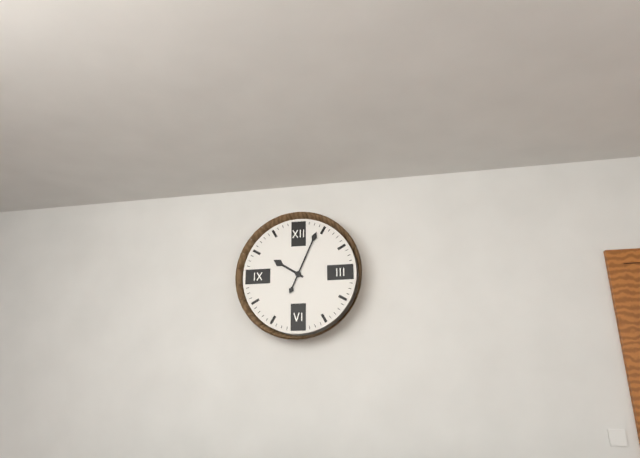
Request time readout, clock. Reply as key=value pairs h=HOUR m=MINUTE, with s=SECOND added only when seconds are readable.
h=10 m=4
